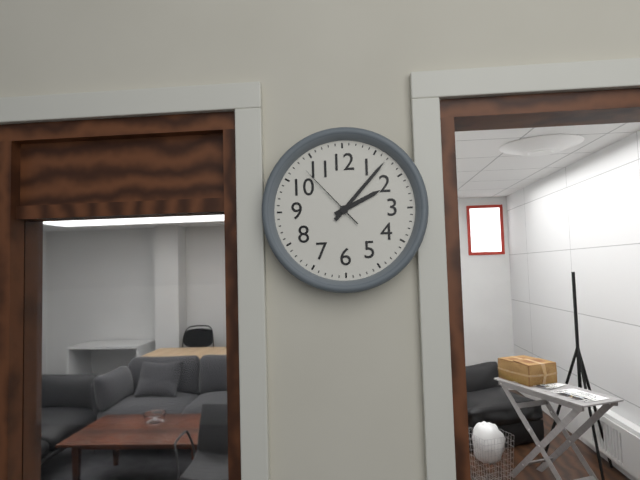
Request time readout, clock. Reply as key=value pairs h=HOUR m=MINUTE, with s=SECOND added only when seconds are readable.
h=2 m=7 s=53
